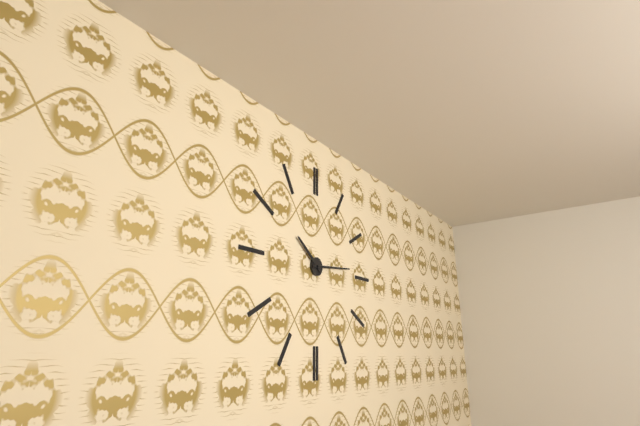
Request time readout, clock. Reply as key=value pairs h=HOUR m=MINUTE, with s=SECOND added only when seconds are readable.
h=10 m=14
